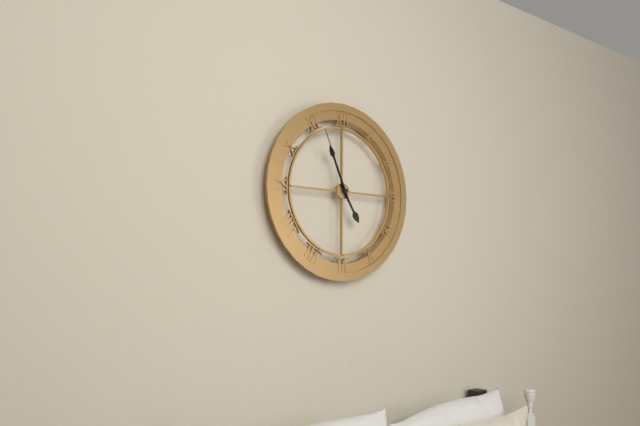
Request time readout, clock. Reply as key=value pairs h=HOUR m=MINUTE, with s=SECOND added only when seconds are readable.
h=4 m=56 s=56
